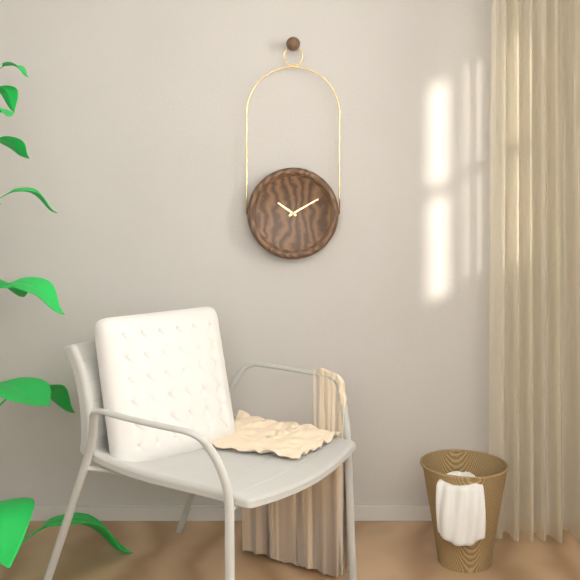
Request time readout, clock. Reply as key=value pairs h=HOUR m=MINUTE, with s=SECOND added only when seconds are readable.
h=10 m=10
